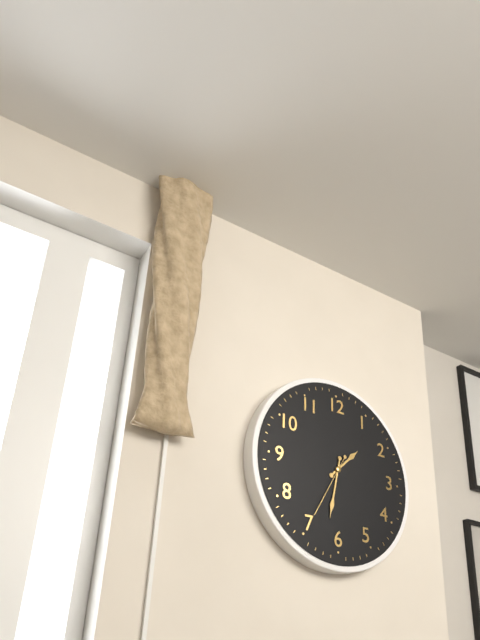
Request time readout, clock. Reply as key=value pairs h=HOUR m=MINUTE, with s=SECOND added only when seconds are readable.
h=1 m=32 s=35
